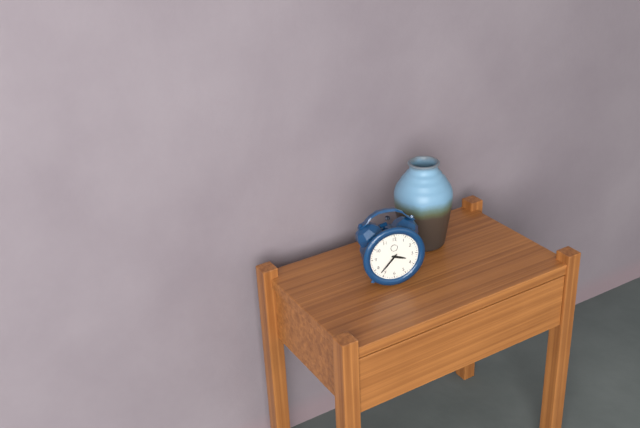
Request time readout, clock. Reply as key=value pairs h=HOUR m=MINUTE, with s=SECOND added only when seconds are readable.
h=3 m=37
